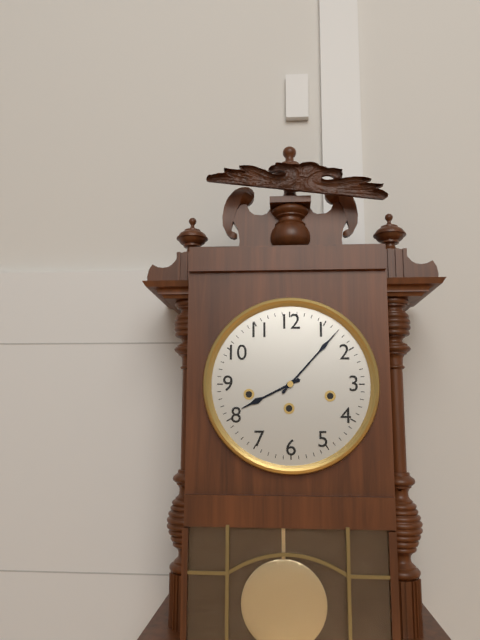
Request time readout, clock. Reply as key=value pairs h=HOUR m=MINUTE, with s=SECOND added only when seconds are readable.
h=8 m=7
